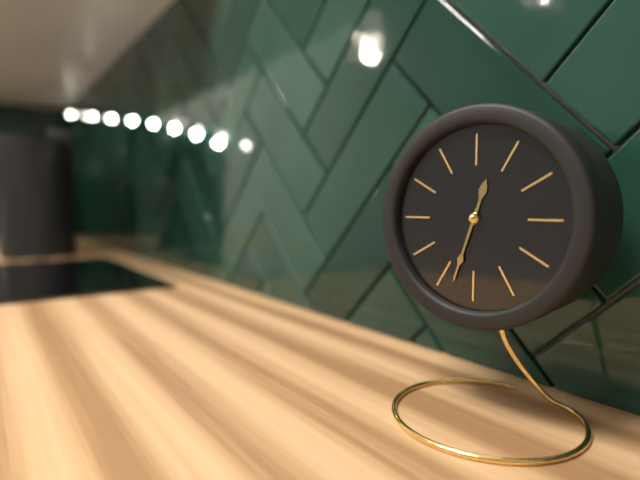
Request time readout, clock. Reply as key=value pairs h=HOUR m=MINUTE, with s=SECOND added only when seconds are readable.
h=12 m=33
